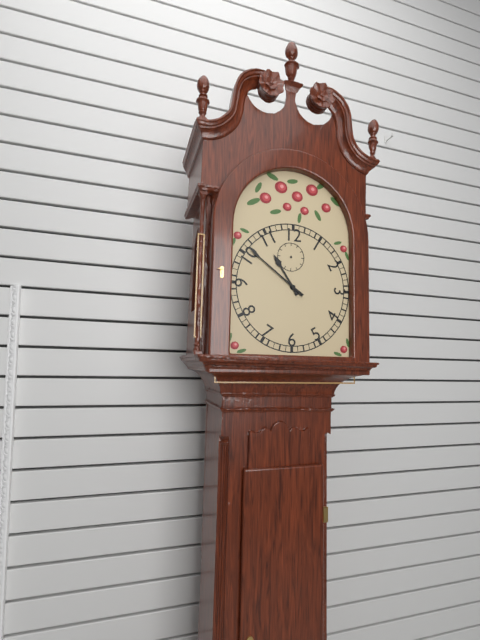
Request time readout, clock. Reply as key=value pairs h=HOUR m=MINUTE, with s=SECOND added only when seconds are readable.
h=10 m=51
